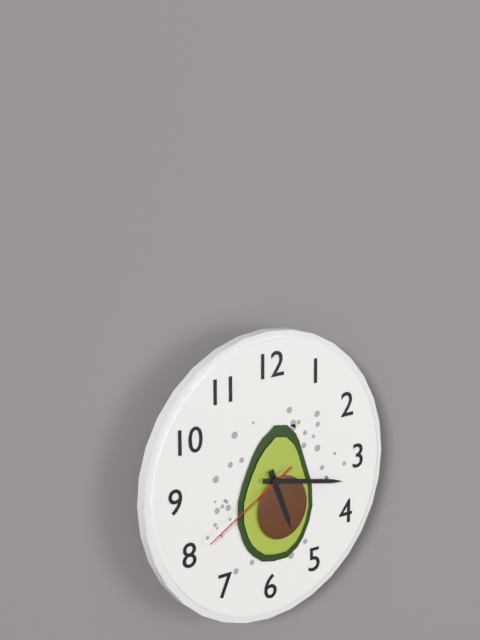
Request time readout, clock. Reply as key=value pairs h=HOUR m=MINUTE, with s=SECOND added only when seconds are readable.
h=5 m=17 s=40
